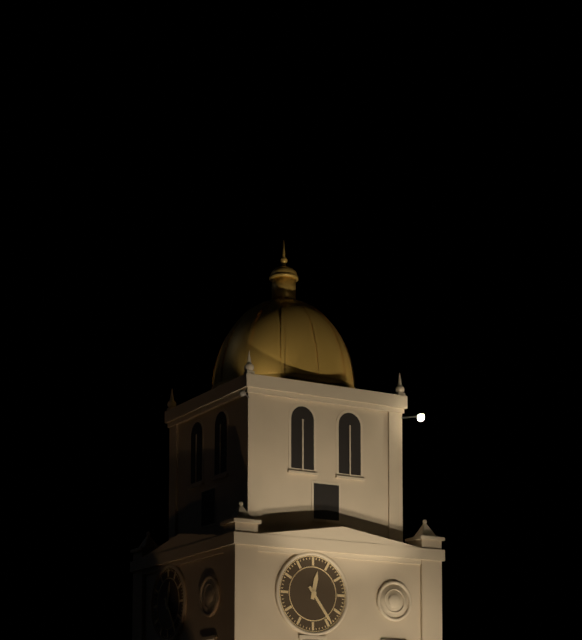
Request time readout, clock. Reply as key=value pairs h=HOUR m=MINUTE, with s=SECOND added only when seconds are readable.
h=12 m=24
